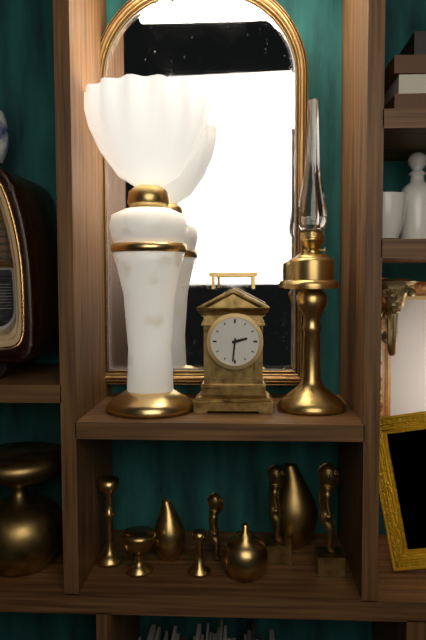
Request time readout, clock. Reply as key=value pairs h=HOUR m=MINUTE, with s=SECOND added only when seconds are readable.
h=2 m=31
